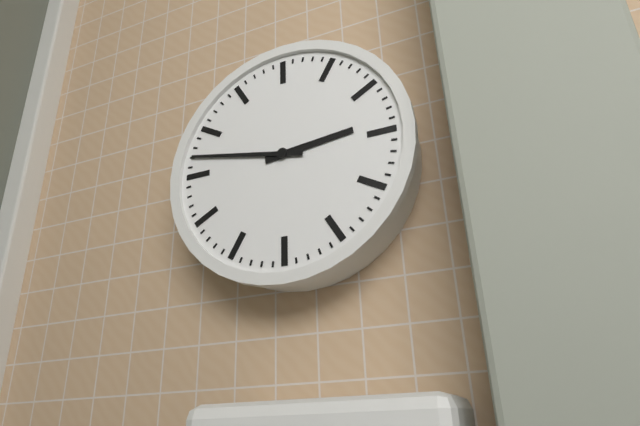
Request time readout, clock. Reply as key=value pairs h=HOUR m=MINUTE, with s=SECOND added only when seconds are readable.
h=2 m=47
